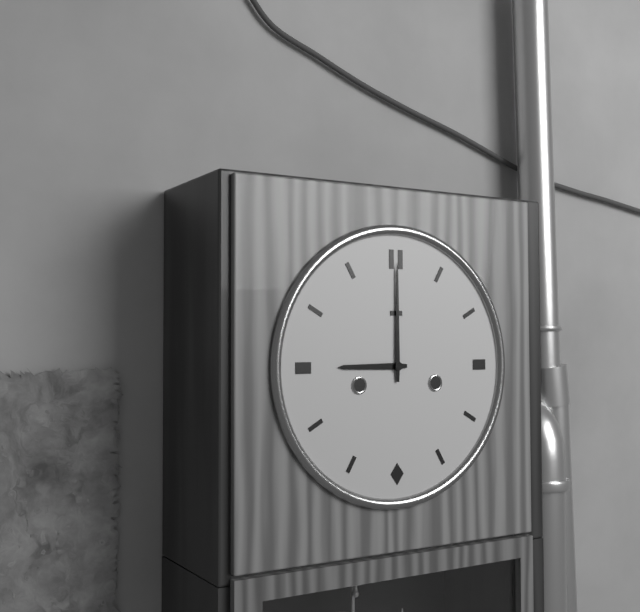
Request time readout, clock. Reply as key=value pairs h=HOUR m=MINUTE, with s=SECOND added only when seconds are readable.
h=9 m=0
